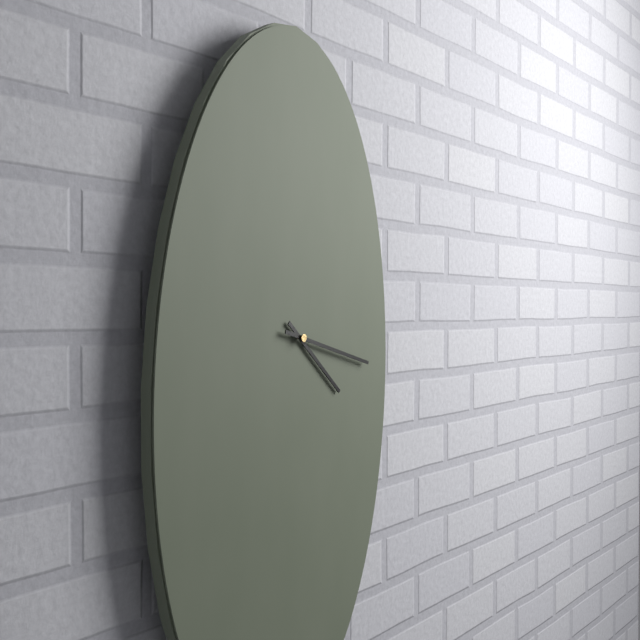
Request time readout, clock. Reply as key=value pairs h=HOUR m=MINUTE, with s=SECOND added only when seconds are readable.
h=4 m=17
